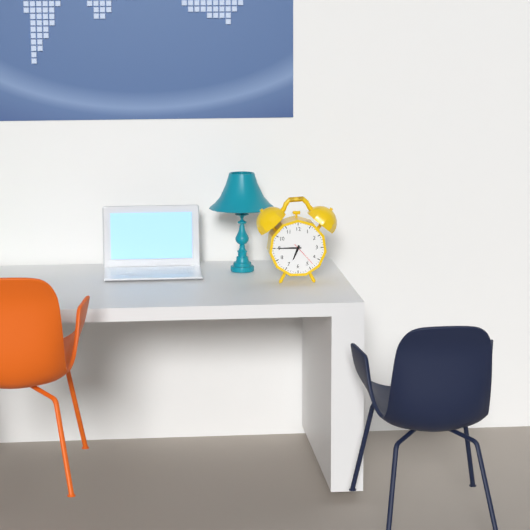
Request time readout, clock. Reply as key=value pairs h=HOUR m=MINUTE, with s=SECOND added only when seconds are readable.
h=6 m=45
